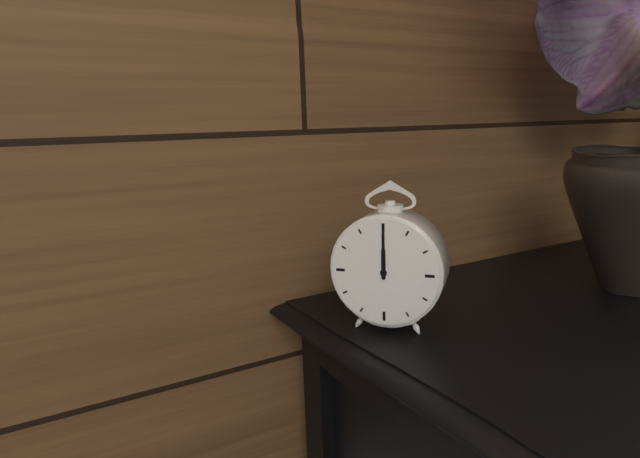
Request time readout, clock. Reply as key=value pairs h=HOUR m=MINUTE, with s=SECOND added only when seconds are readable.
h=12 m=0
